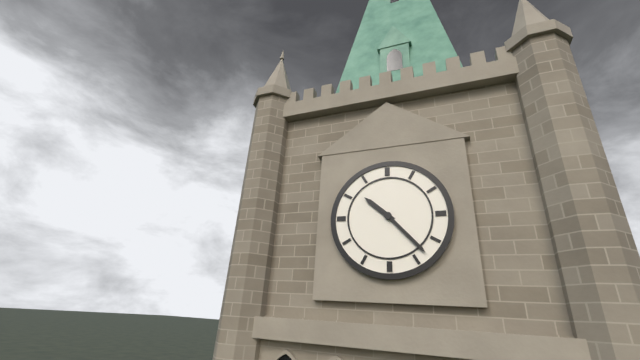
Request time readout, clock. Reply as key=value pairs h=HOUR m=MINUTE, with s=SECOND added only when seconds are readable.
h=10 m=23
